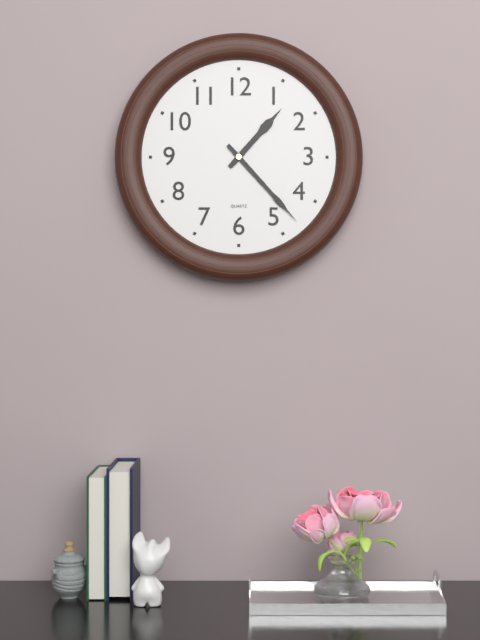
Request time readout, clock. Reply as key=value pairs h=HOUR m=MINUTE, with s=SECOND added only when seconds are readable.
h=1 m=23
